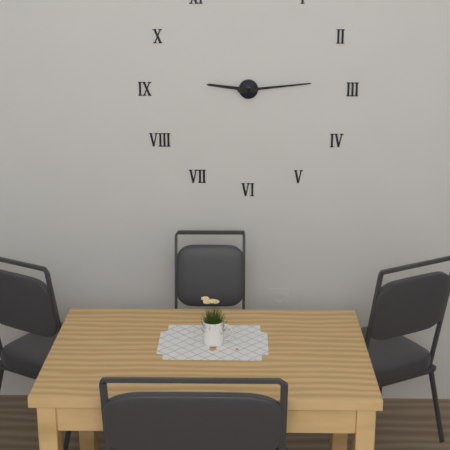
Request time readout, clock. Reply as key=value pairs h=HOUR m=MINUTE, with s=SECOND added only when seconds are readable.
h=9 m=14
